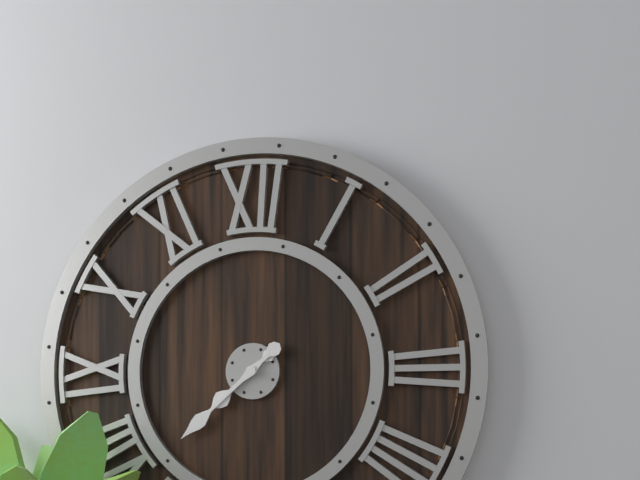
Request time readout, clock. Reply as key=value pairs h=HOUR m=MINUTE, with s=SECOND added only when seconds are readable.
h=7 m=38
